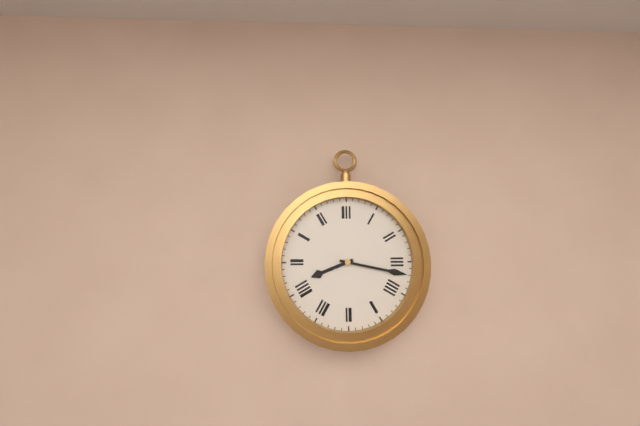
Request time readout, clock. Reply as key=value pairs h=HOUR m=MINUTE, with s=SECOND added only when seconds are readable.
h=8 m=17
